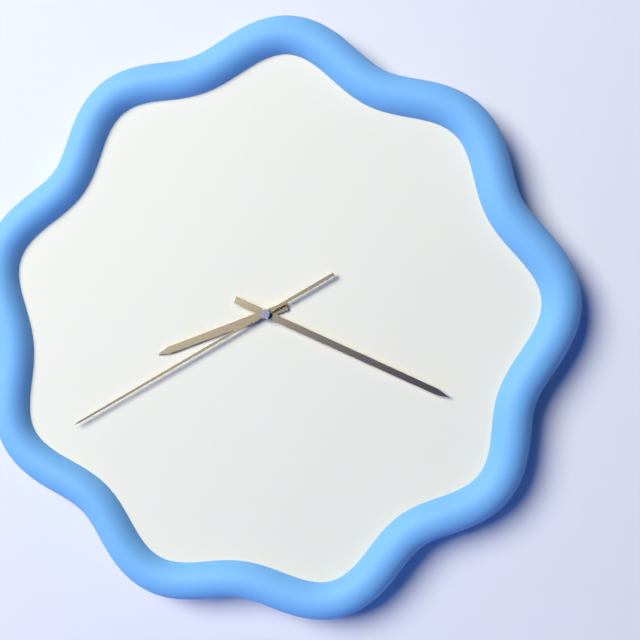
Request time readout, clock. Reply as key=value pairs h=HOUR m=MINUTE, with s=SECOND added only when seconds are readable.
h=8 m=19 s=40
